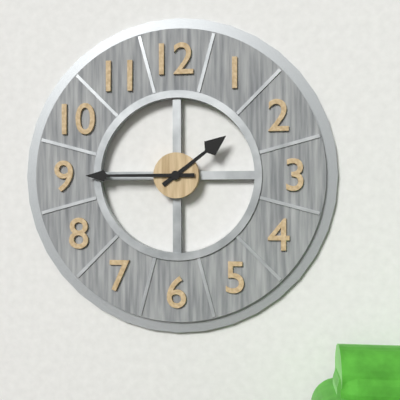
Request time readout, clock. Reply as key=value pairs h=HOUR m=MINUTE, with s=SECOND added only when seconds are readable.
h=1 m=45
